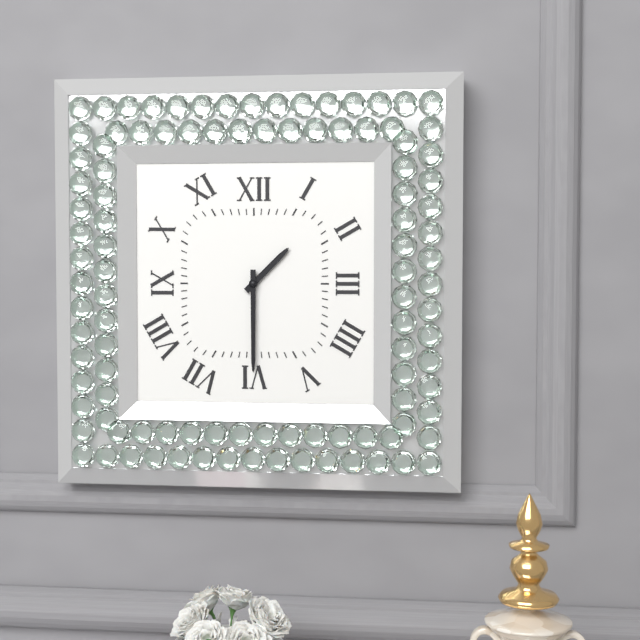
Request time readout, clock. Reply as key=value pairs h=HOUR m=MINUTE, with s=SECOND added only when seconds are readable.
h=1 m=30
